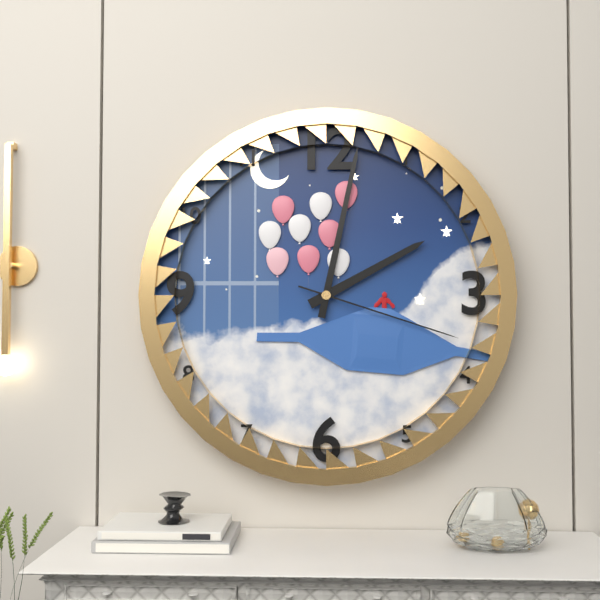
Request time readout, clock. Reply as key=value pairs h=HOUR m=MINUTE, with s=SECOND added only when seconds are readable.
h=2 m=2 s=18
